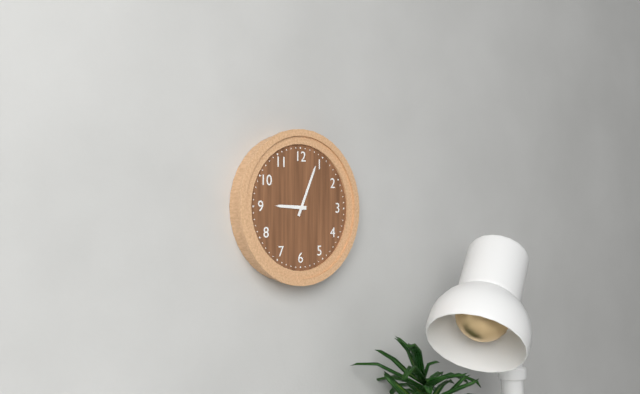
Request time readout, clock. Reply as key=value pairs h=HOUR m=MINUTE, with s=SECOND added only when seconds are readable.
h=9 m=4
